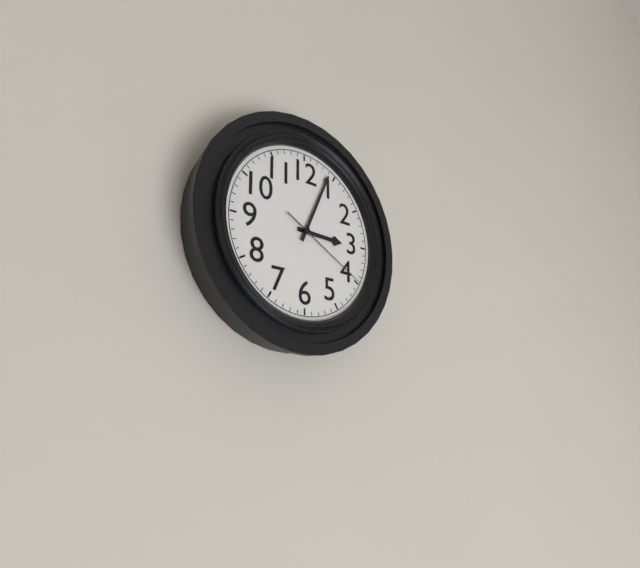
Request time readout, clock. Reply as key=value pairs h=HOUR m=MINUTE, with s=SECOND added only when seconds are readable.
h=3 m=4 s=20
